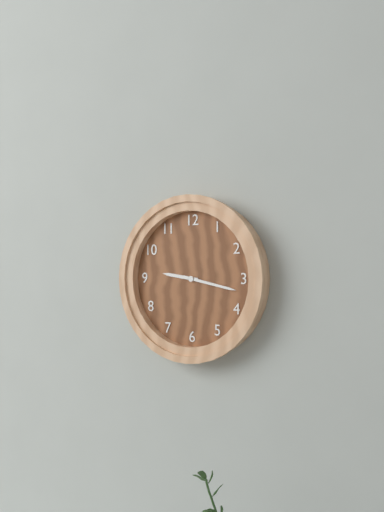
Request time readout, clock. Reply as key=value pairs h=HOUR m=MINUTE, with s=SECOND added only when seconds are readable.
h=9 m=17
